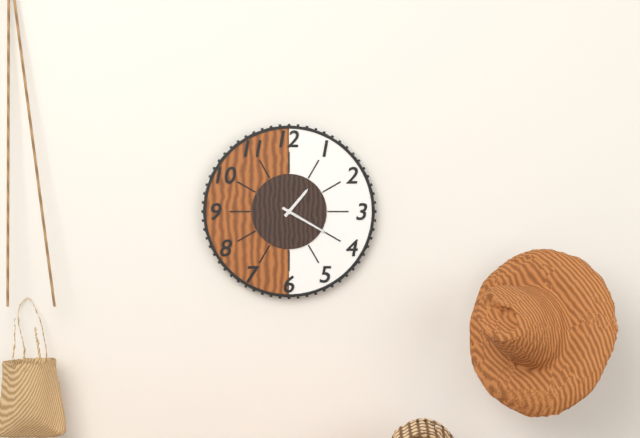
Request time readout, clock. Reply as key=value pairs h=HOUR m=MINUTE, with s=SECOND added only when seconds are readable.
h=1 m=20
